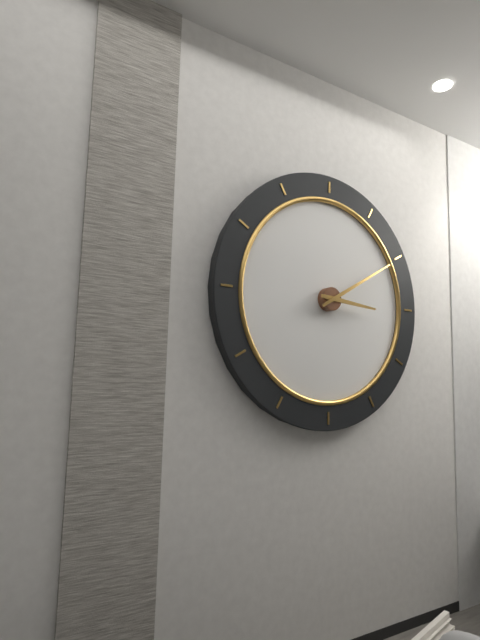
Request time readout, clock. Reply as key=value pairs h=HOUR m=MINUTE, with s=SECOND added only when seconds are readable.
h=3 m=10
